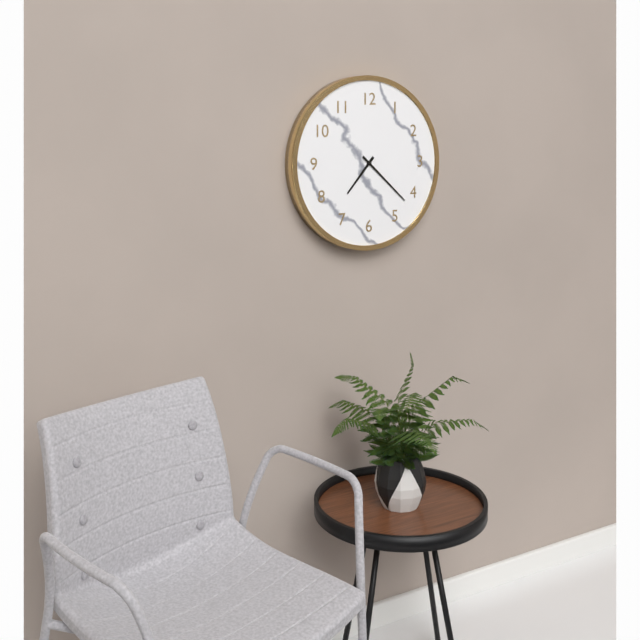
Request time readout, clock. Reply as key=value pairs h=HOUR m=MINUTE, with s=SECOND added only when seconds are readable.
h=7 m=22
